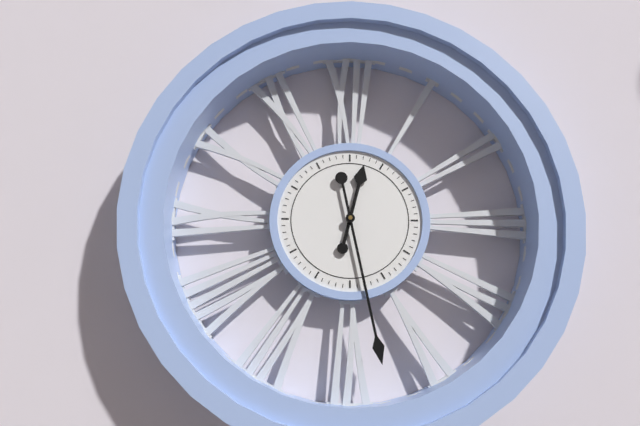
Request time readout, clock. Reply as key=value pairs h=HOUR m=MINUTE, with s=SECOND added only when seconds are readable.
h=12 m=28
